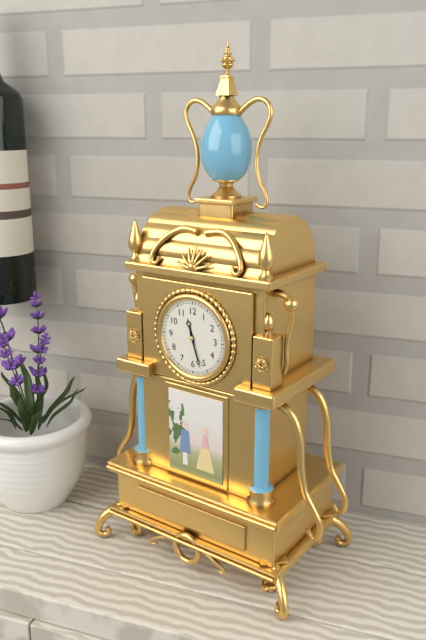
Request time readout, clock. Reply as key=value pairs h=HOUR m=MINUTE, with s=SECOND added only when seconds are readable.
h=11 m=27
